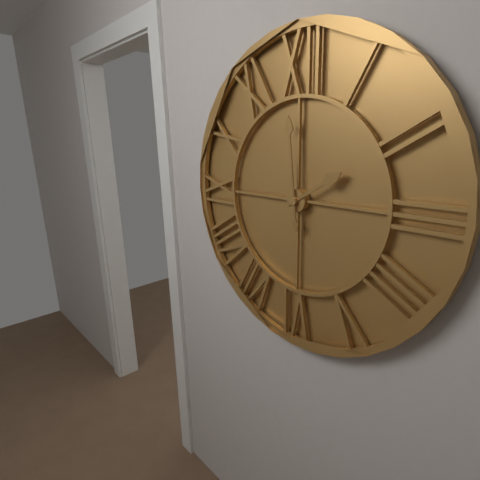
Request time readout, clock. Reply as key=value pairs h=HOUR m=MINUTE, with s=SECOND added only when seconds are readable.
h=1 m=59
